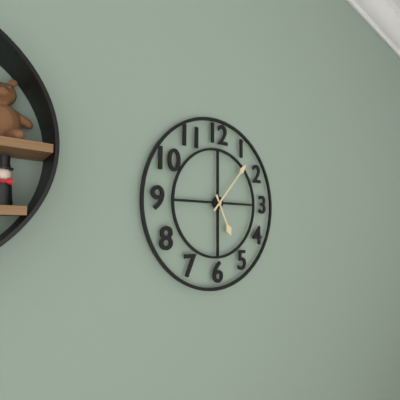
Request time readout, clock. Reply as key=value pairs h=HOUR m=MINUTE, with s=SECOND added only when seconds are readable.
h=5 m=7
